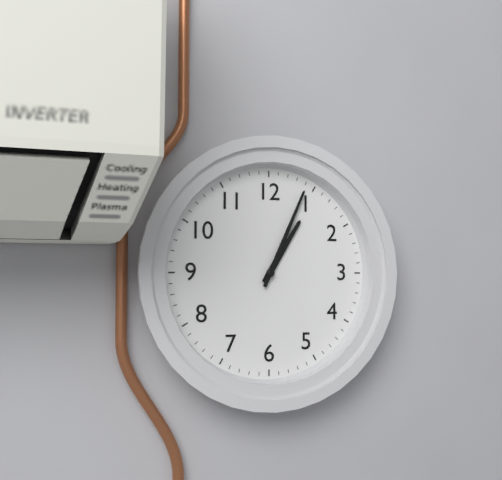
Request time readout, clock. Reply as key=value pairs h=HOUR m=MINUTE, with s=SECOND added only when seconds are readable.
h=1 m=4
